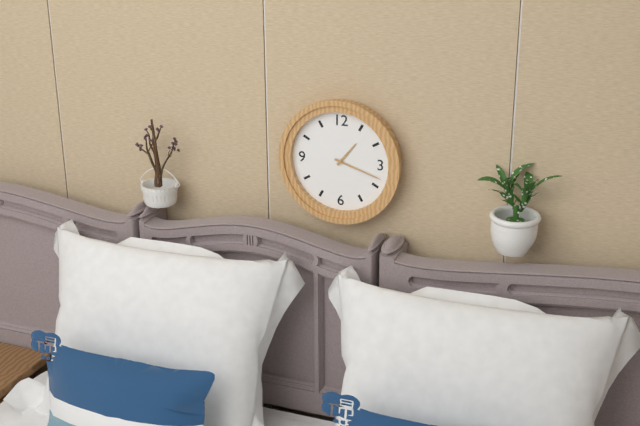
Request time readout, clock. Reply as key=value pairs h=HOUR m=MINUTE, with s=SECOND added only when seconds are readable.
h=1 m=18
